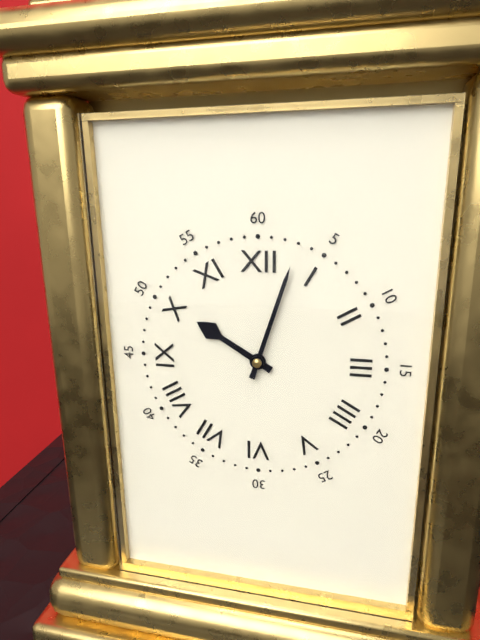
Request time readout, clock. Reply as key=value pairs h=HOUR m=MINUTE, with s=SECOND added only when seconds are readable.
h=10 m=3
